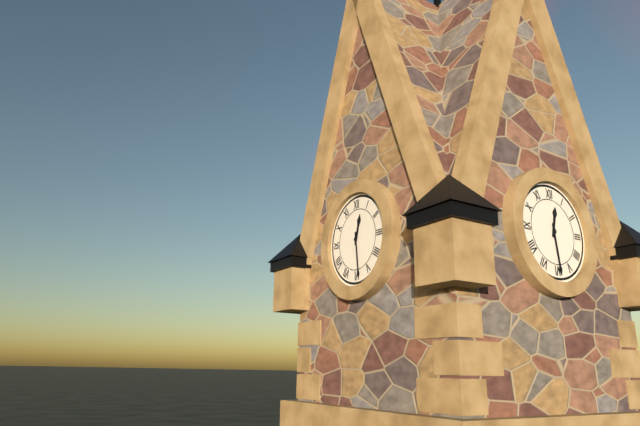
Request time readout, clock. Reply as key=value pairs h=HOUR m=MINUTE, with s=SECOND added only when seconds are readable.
h=12 m=29
